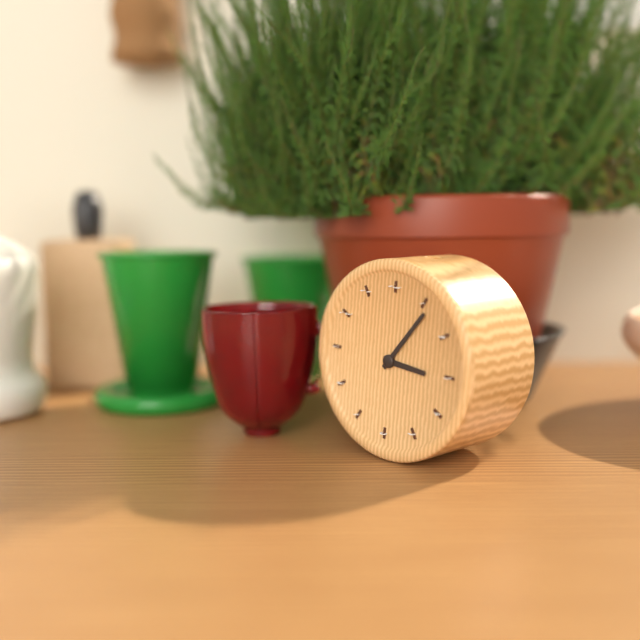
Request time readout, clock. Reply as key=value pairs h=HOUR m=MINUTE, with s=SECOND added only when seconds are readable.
h=3 m=6
